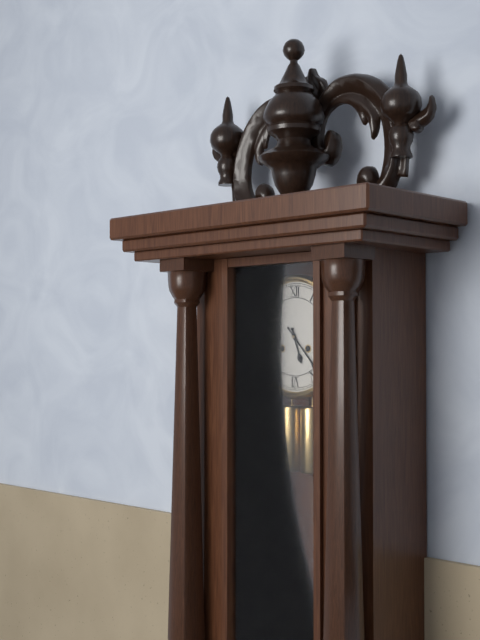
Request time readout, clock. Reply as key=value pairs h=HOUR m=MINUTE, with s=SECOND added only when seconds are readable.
h=5 m=23
